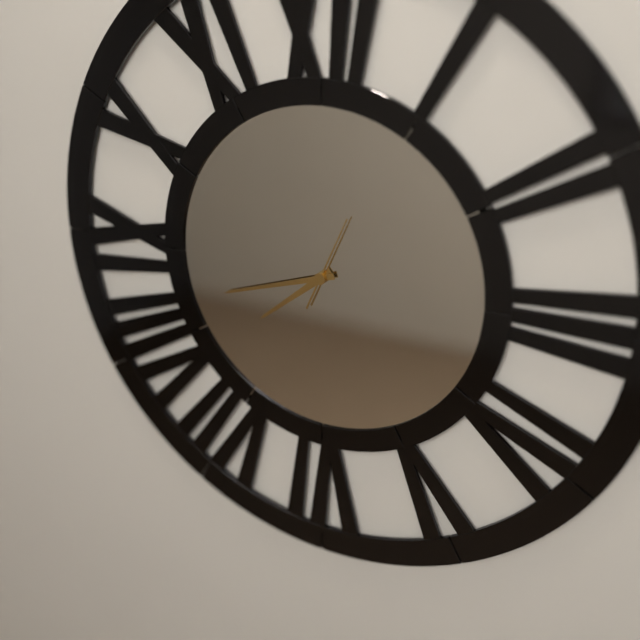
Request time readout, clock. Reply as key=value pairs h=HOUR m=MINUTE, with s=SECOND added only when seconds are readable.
h=7 m=42 s=4
